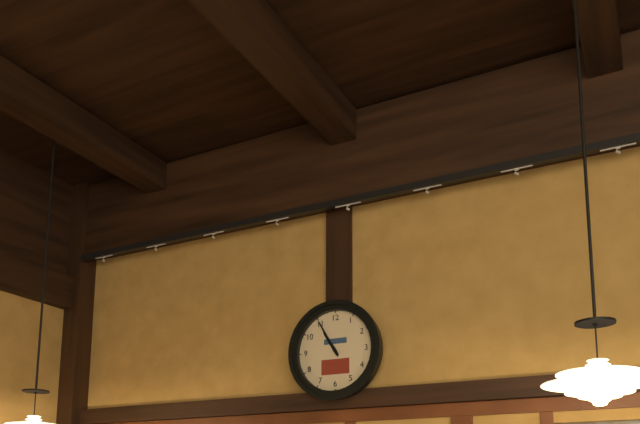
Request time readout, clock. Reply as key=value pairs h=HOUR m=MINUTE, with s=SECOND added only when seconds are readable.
h=10 m=55
